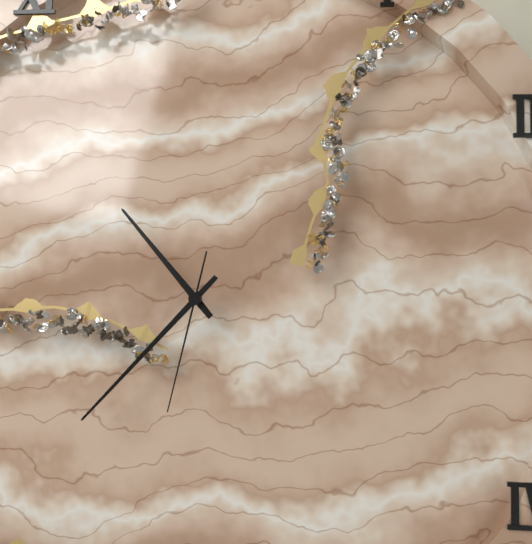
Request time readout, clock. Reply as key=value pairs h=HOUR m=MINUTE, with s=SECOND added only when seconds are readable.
h=10 m=37 s=32
